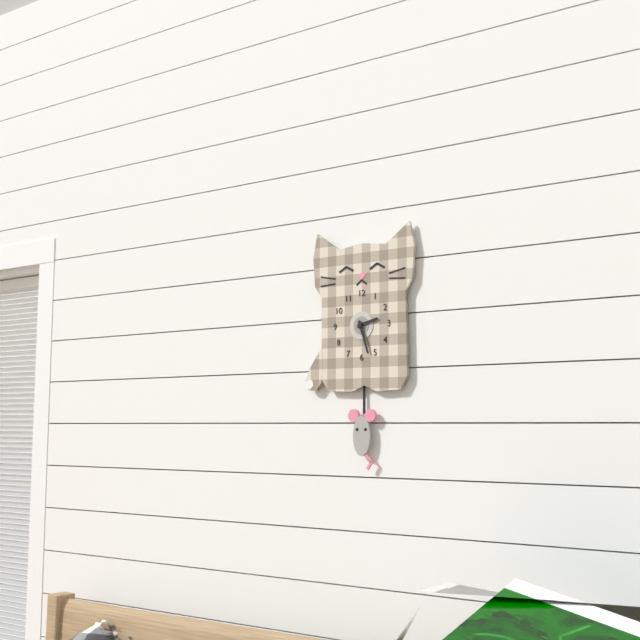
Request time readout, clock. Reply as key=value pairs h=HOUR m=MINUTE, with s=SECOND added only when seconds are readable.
h=2 m=27
